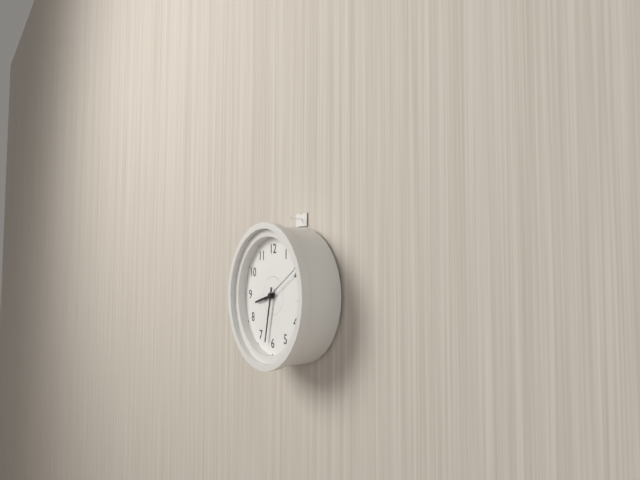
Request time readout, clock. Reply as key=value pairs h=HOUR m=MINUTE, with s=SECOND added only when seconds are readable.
h=8 m=32
